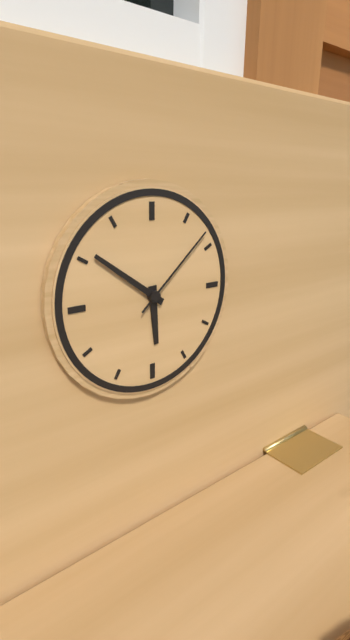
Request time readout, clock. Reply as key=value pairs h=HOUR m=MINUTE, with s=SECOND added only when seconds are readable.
h=5 m=51 s=8
